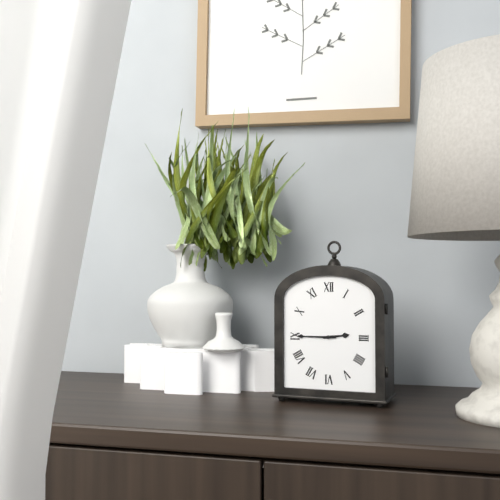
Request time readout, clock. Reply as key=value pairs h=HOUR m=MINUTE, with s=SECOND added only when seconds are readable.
h=2 m=45
